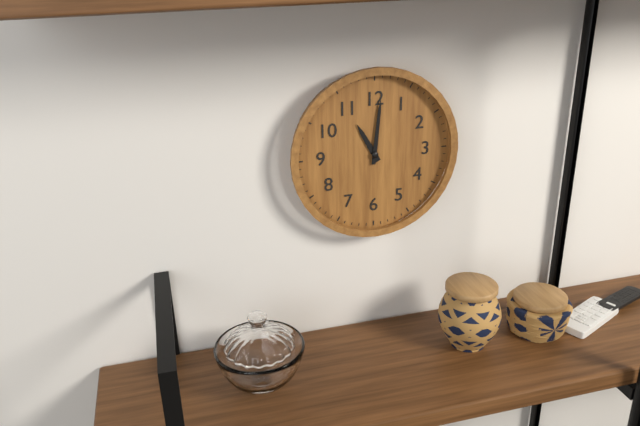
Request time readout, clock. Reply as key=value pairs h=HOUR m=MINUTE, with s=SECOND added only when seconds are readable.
h=11 m=1
